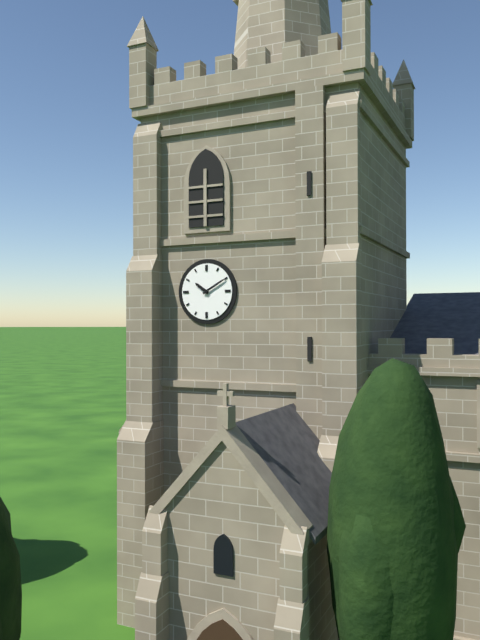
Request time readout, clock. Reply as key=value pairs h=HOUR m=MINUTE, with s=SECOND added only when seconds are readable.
h=10 m=10
